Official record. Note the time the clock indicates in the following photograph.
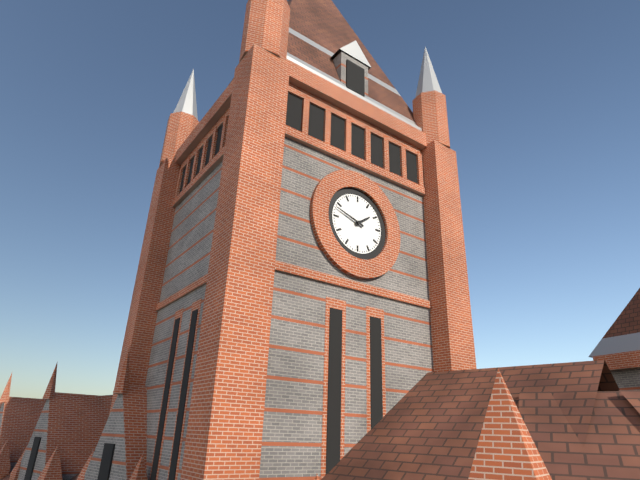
1:48
